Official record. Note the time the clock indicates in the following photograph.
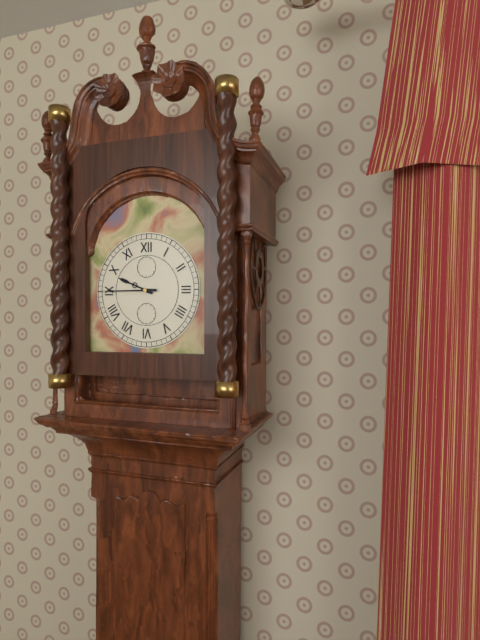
9:45
